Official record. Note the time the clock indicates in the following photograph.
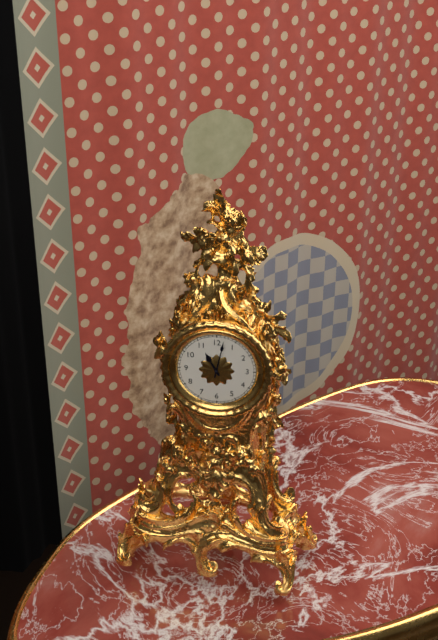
11:02
